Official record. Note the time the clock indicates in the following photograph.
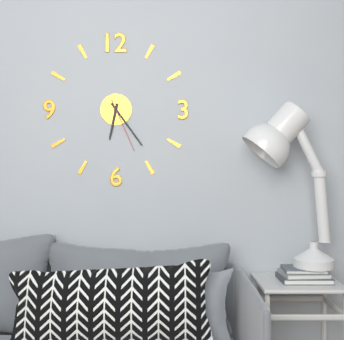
6:24:26
